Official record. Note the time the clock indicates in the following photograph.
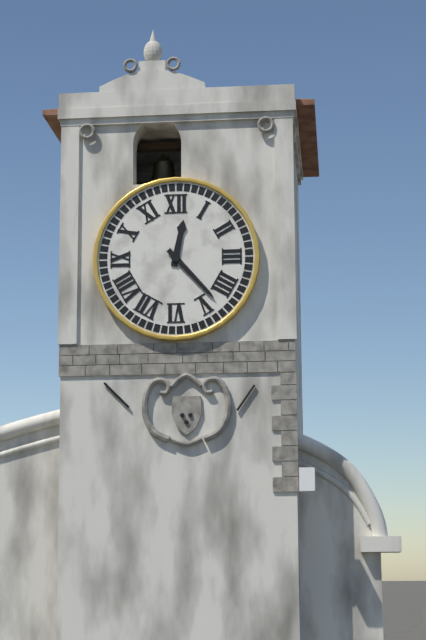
12:23
